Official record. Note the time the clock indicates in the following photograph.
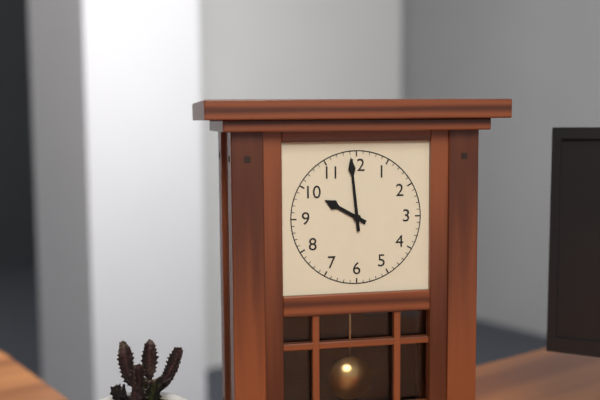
9:59
